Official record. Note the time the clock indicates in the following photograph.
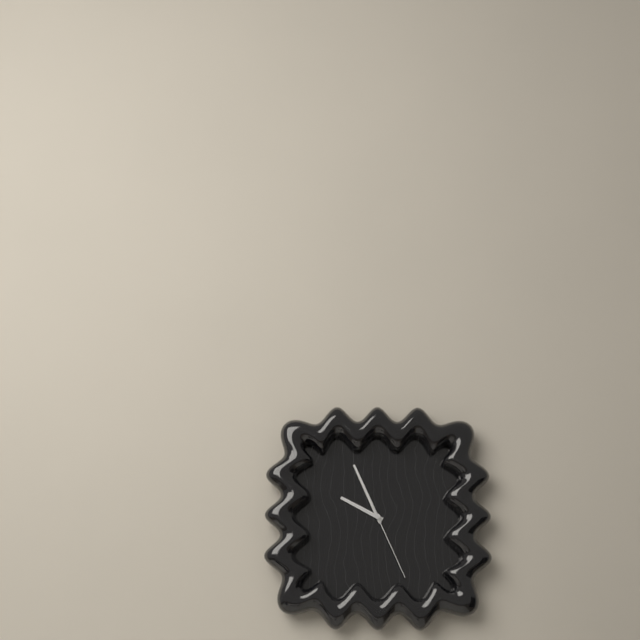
9:56:26
